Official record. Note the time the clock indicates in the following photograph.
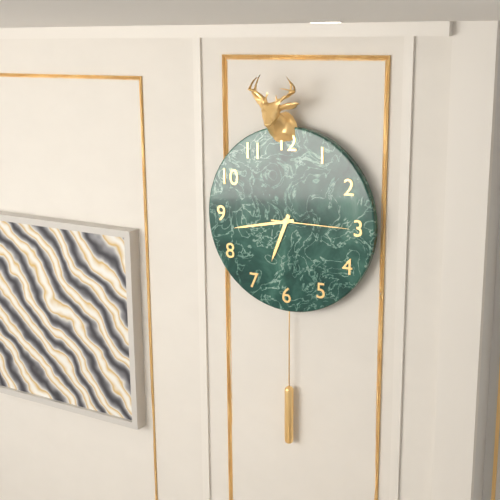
6:43:15
